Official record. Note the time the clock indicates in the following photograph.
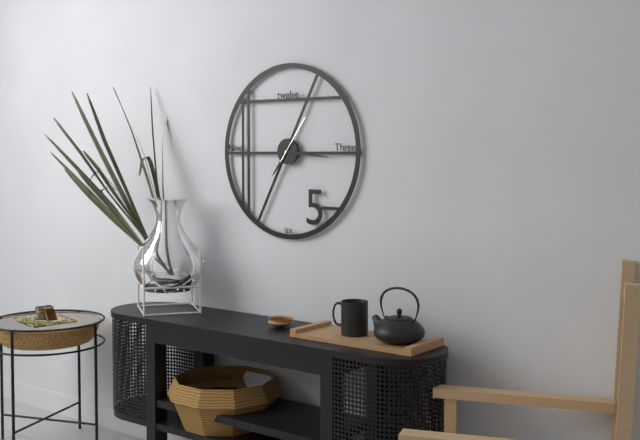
7:16
